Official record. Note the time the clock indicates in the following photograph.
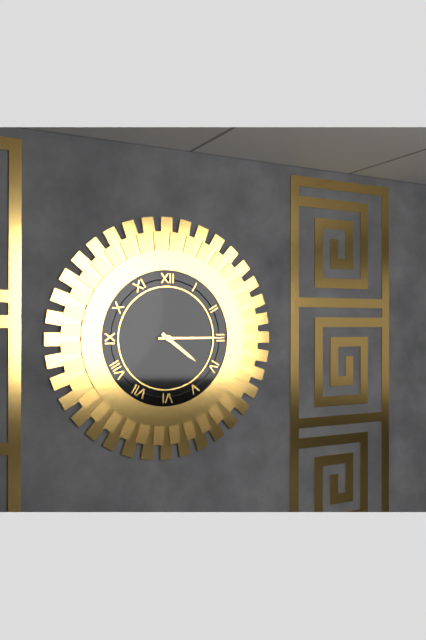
4:15
